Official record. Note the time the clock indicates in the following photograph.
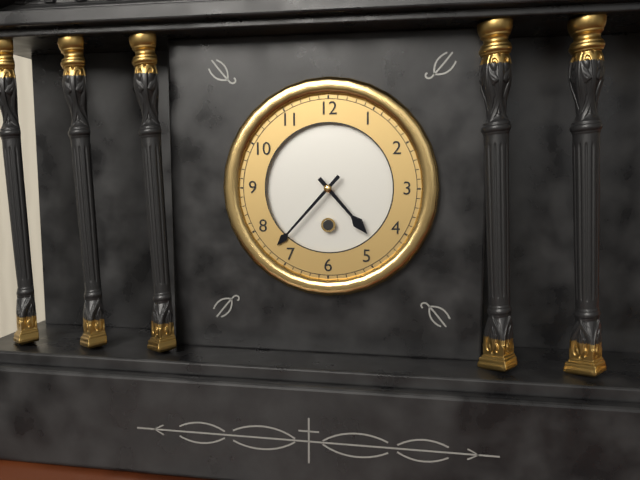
4:37
